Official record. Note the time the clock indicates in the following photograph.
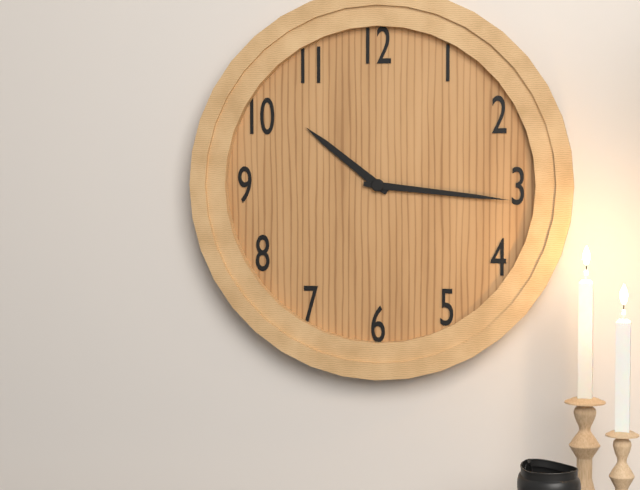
10:16
